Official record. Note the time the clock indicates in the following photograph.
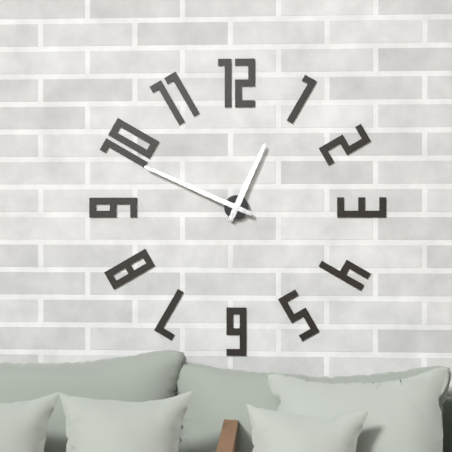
12:49
